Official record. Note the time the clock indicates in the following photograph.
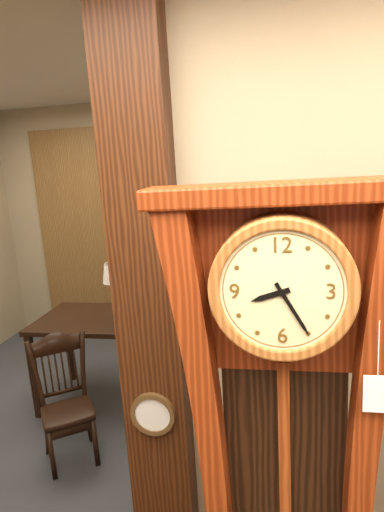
8:25
